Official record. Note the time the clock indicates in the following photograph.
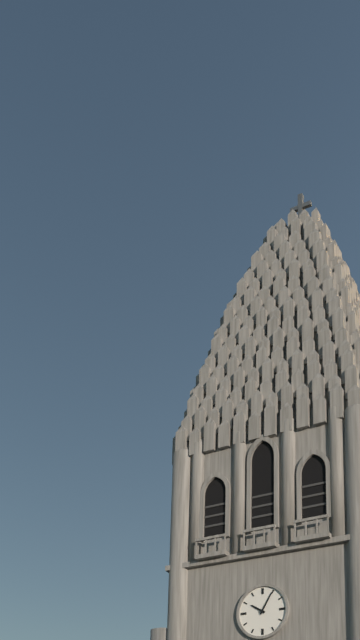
10:05
